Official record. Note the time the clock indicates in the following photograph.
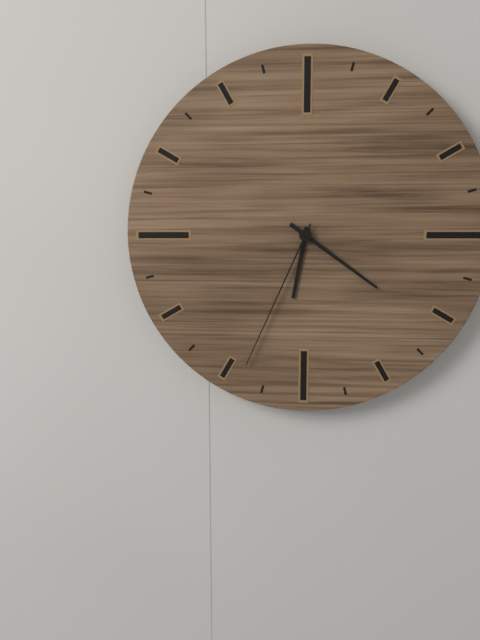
6:21:34
